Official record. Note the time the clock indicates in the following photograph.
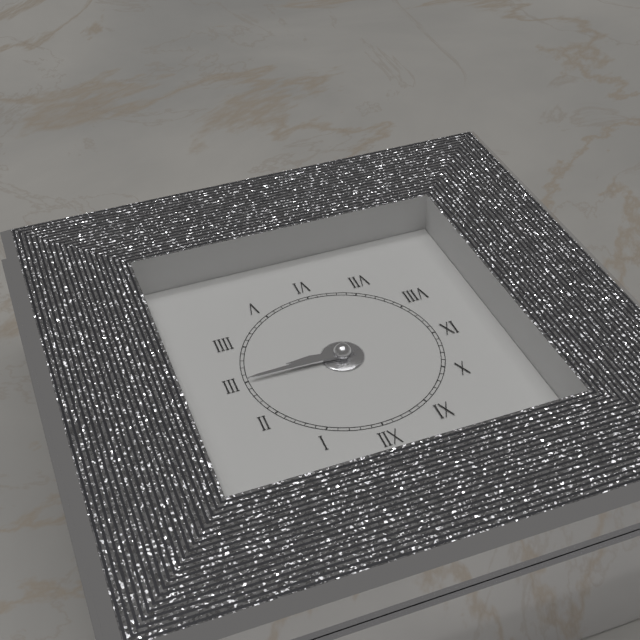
3:15
